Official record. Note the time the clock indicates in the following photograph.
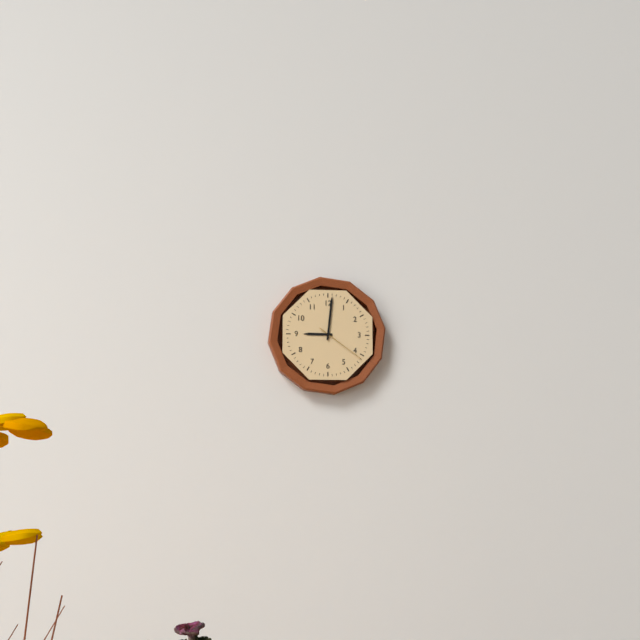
9:01:21
